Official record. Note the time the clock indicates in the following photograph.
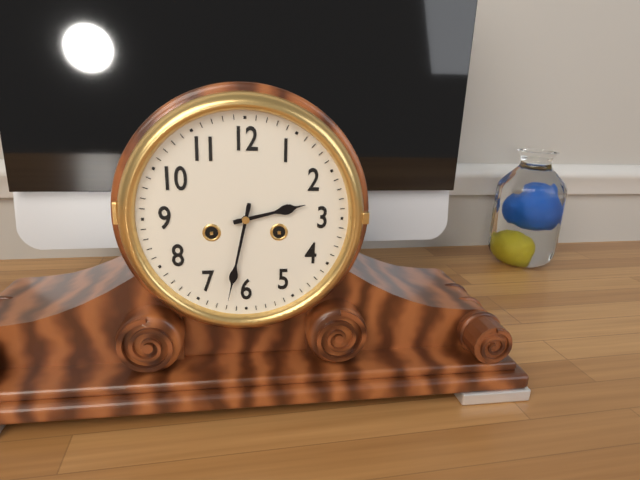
2:32
